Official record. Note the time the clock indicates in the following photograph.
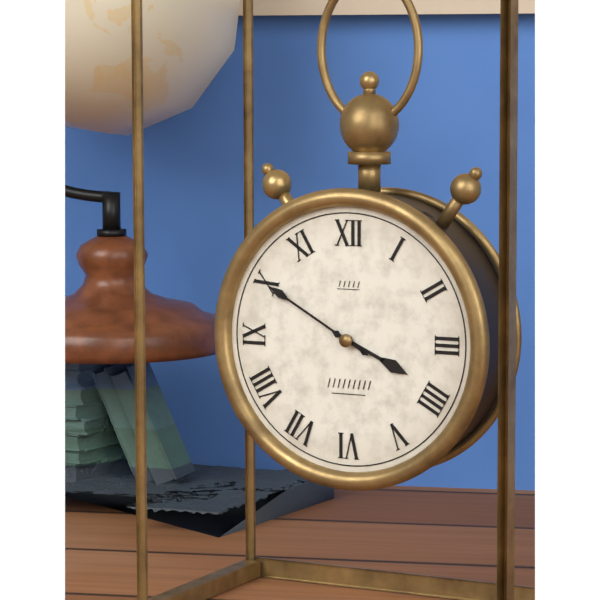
3:50
